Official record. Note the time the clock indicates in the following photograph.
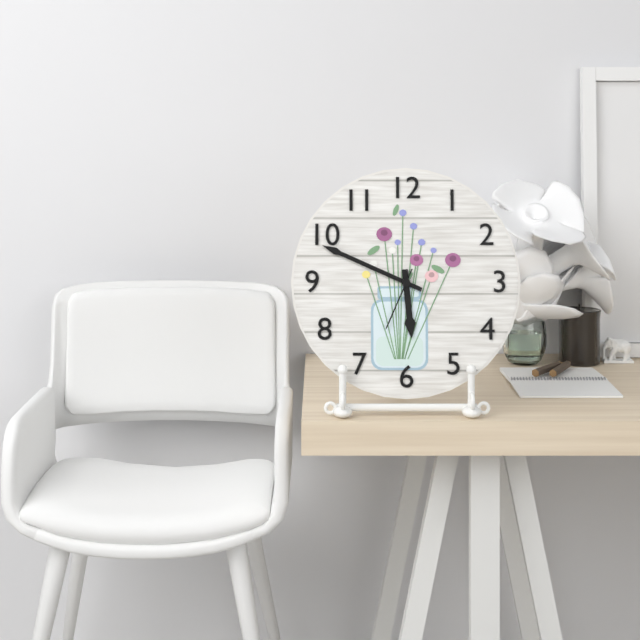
5:49:34
